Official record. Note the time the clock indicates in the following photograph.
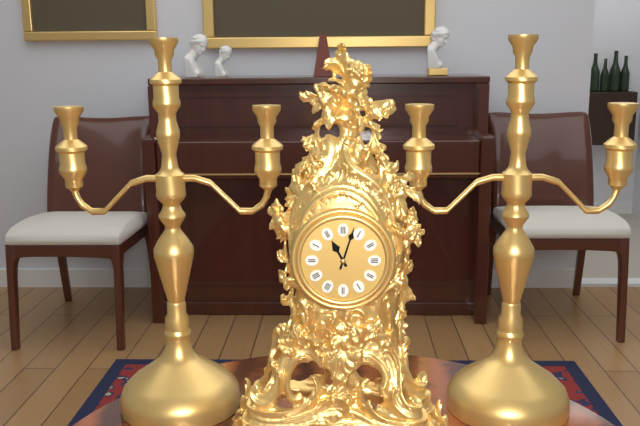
11:03
